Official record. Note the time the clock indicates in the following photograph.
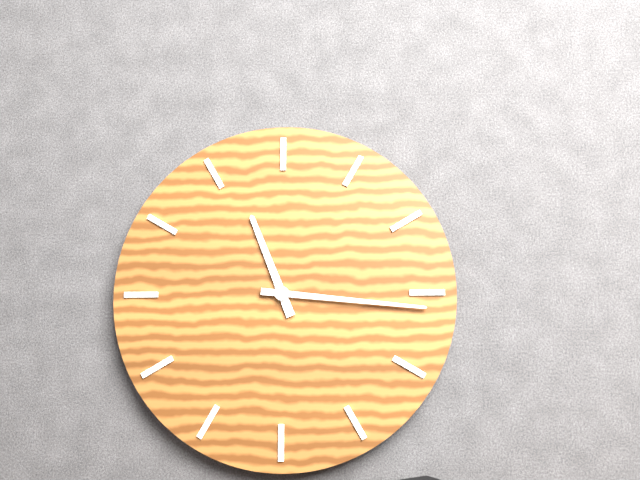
11:16
